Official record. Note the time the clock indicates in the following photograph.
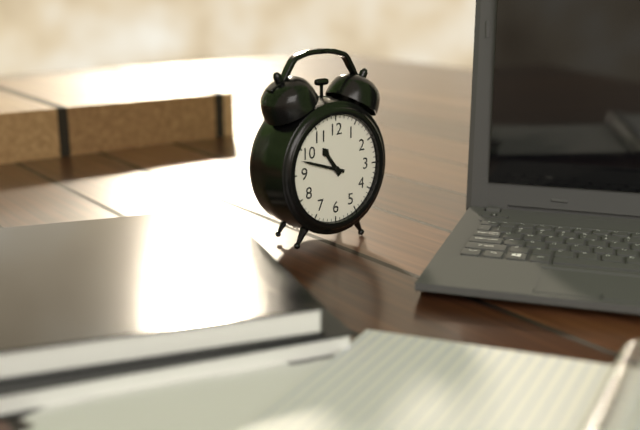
10:48
